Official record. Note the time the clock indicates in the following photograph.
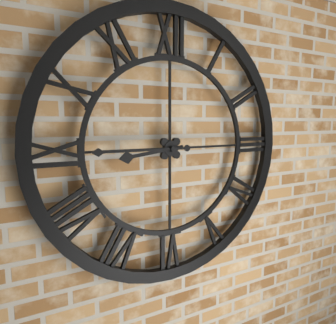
8:45
